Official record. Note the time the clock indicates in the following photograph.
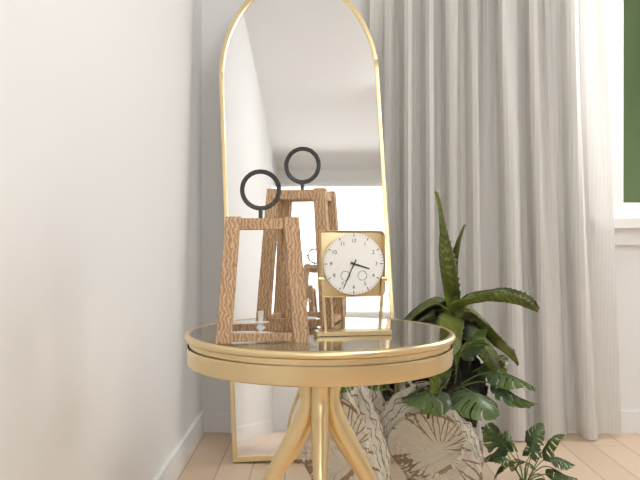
3:34
